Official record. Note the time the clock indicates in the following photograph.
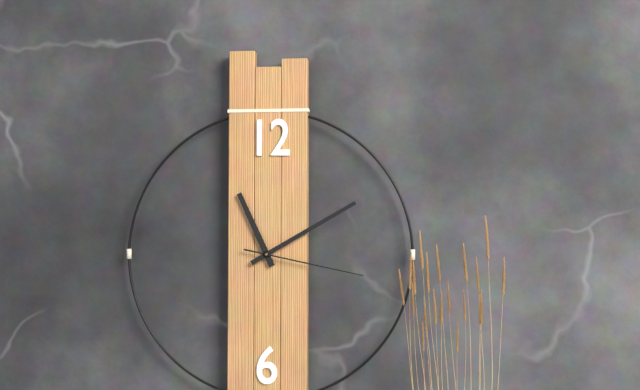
11:10:17
